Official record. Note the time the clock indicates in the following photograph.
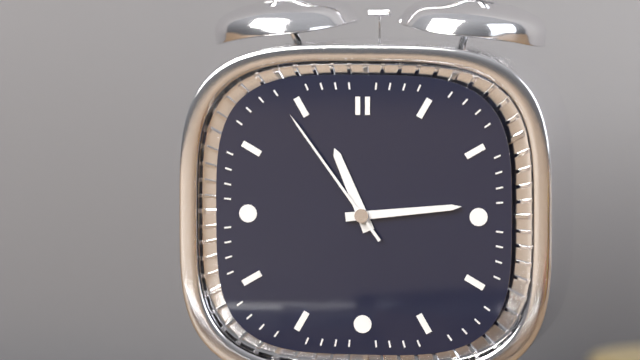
11:14:54
